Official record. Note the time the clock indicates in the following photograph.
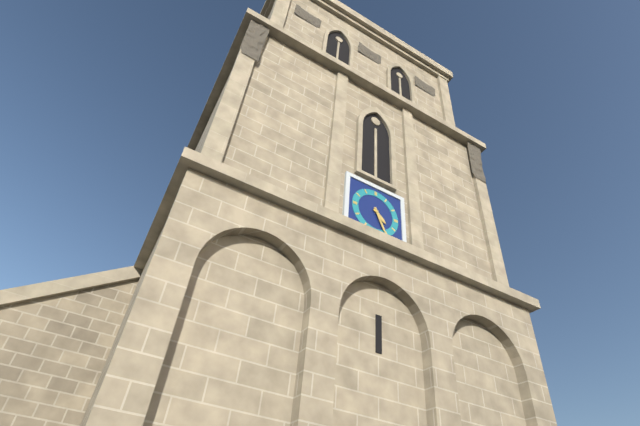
4:26
